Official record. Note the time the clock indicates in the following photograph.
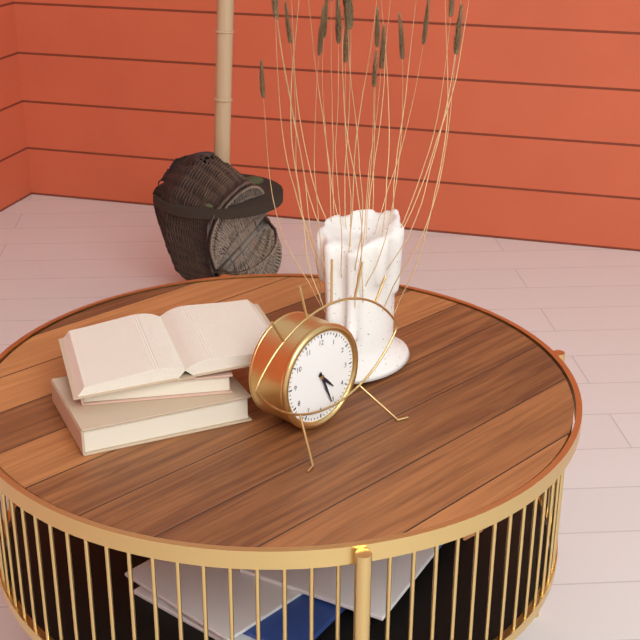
4:26
